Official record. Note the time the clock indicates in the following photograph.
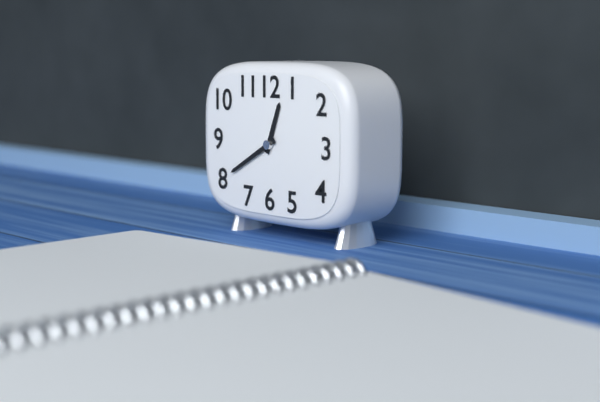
12:40
